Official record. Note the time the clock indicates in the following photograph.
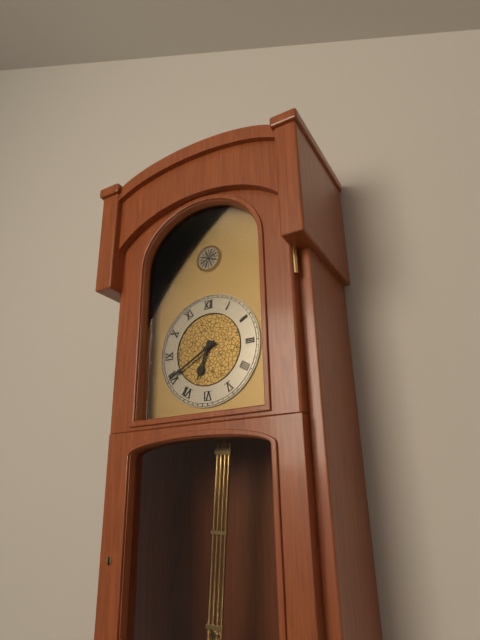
6:40
